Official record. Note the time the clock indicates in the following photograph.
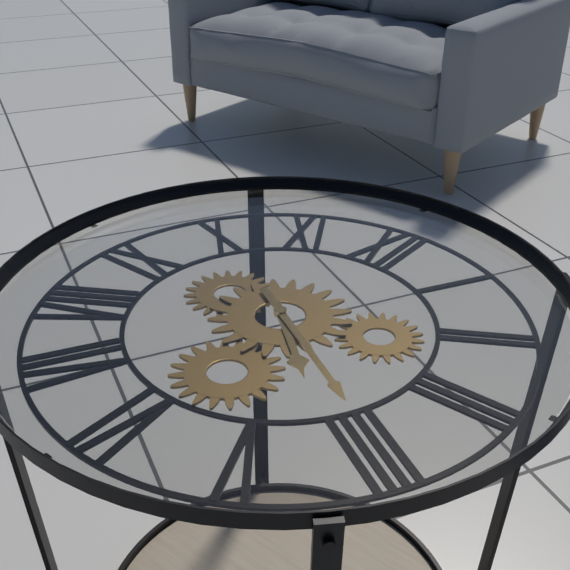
4:20
